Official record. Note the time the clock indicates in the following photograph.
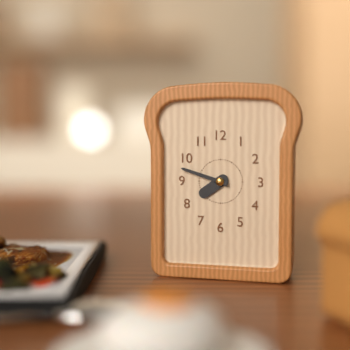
7:48
